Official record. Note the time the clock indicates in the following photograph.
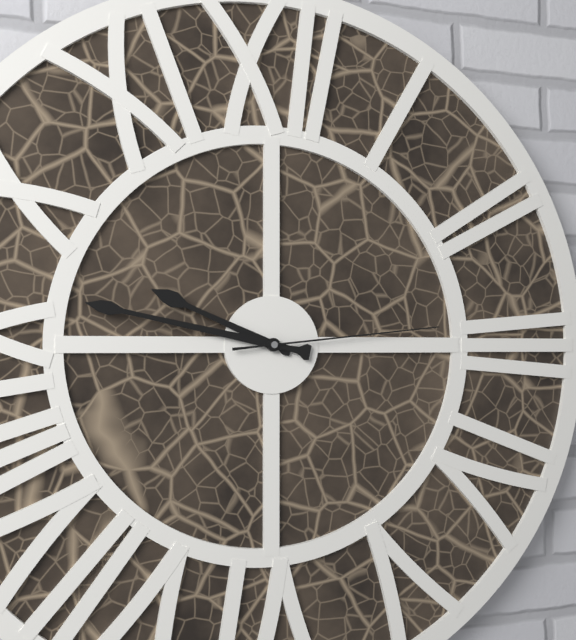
9:47:14
